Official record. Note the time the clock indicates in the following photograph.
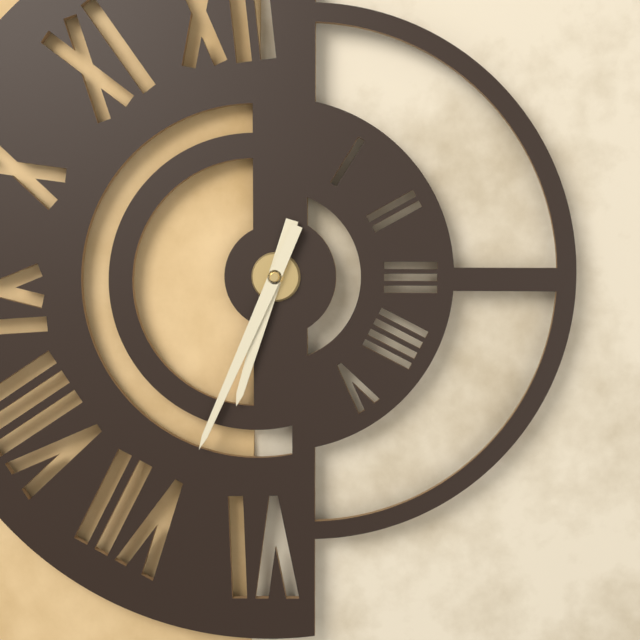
6:34
